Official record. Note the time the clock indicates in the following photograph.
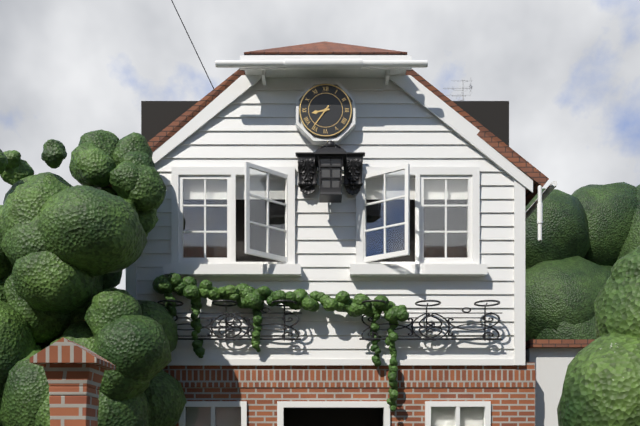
8:36
